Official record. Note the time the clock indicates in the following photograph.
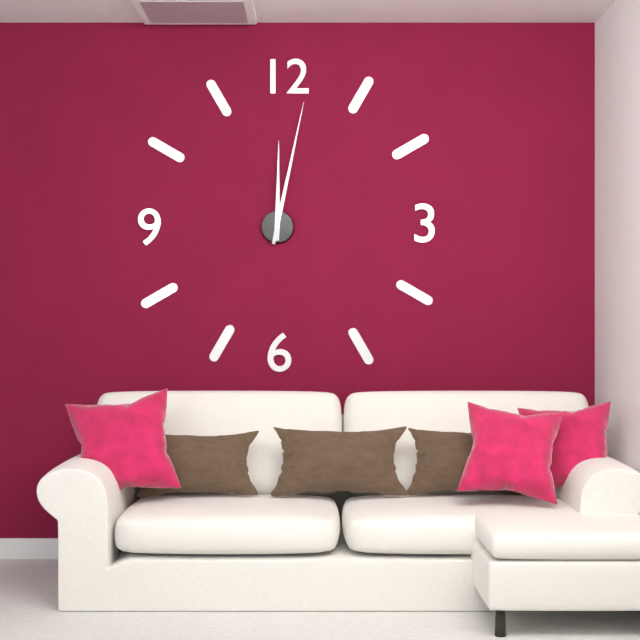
12:02
